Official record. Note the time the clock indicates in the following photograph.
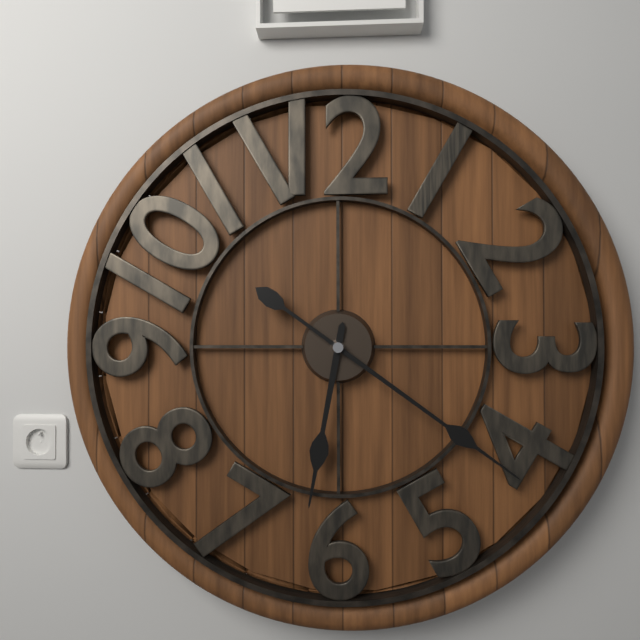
6:21
